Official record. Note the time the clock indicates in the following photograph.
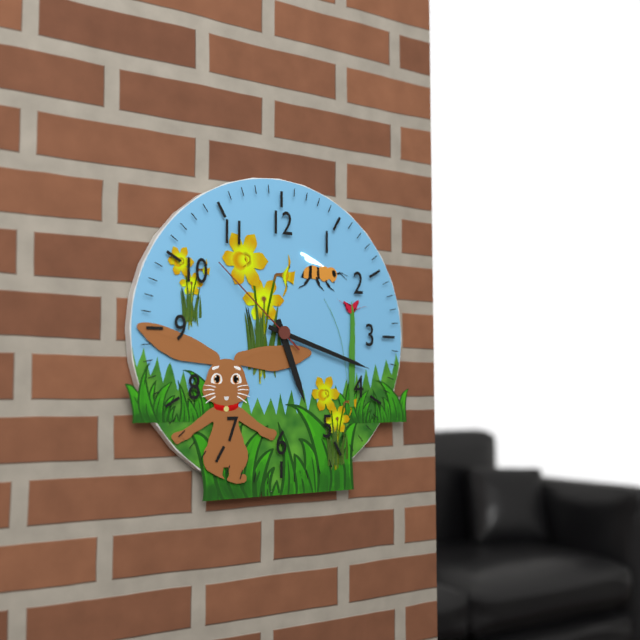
5:18:52
